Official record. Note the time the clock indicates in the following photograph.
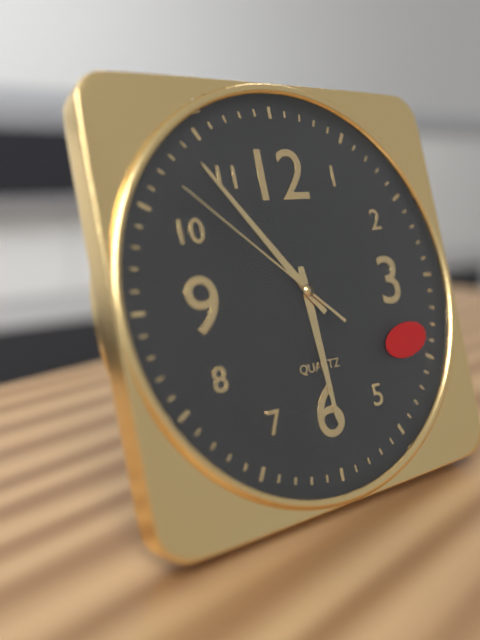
5:54:52
